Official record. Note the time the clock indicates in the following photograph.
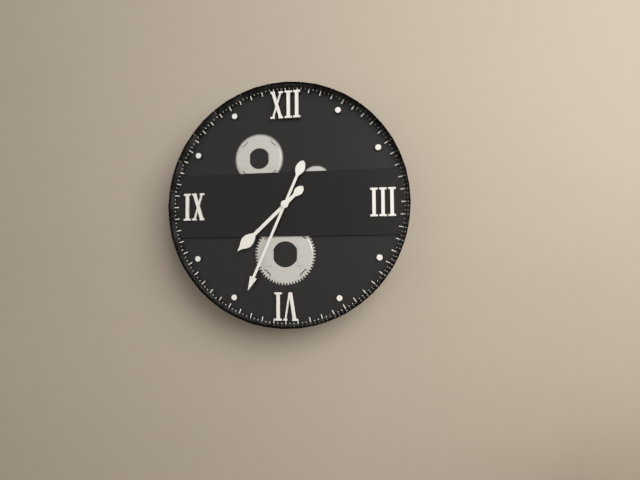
7:34
